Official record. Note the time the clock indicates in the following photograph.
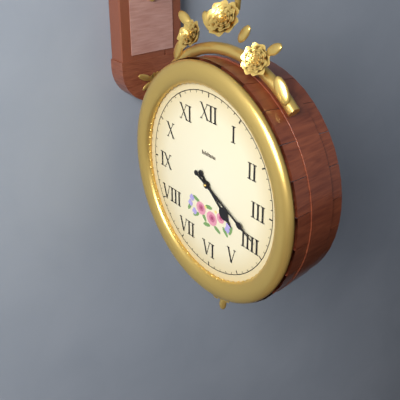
4:19
